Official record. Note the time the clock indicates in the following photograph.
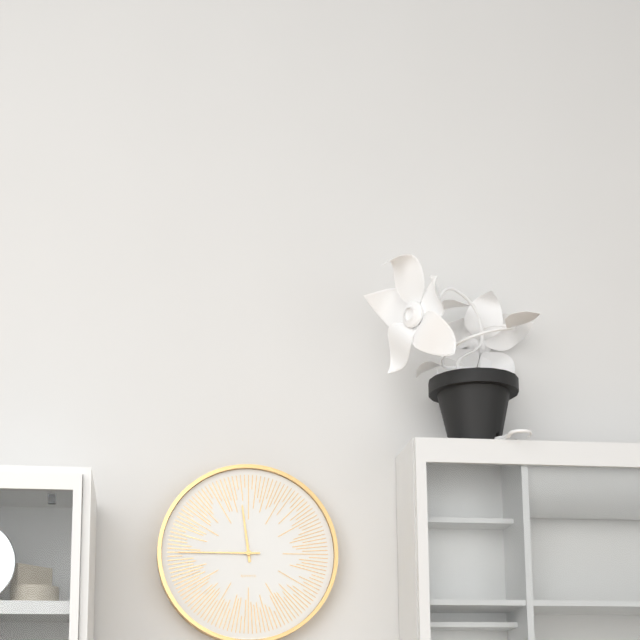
11:45
